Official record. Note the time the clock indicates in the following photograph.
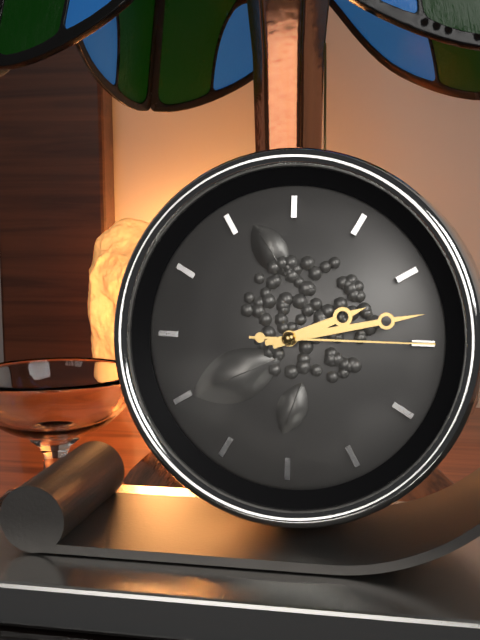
2:13:15
